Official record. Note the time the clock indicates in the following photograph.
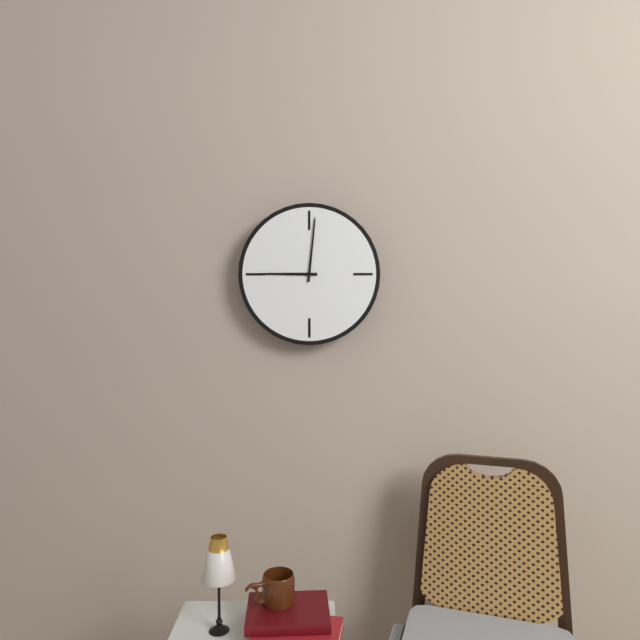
9:01
